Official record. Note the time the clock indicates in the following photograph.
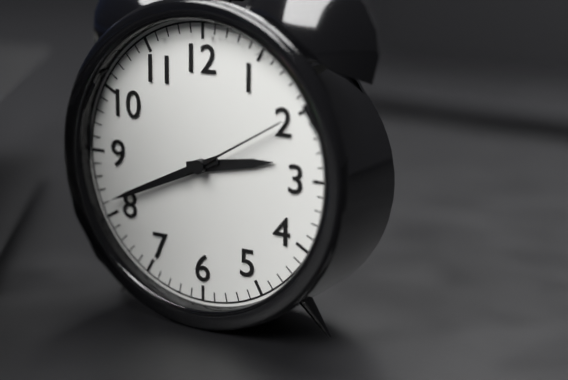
2:41:10
